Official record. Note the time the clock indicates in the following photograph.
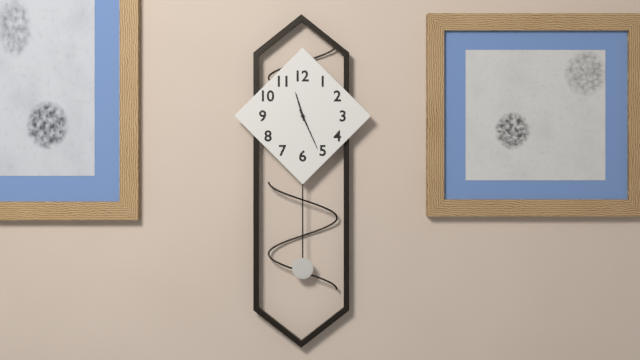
11:26
